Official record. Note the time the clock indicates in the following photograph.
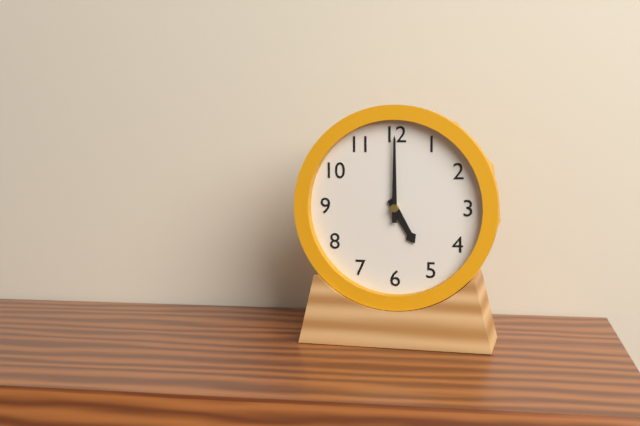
5:00
